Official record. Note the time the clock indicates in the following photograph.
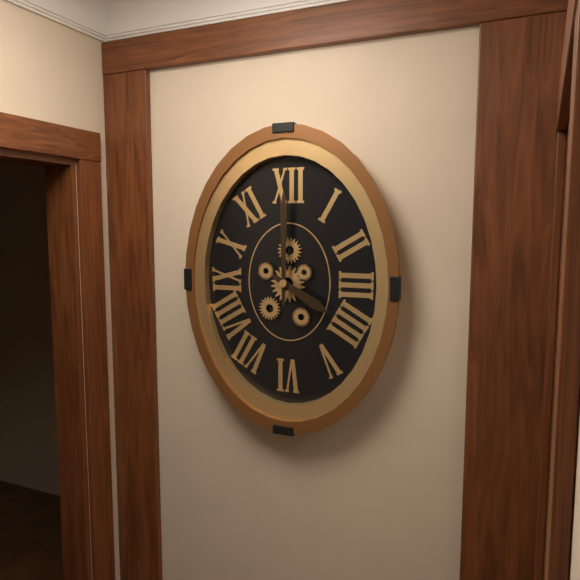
4:00
